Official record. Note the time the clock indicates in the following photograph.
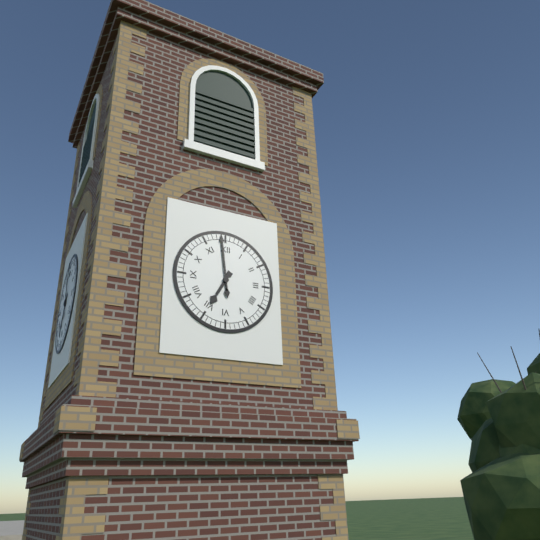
6:59
